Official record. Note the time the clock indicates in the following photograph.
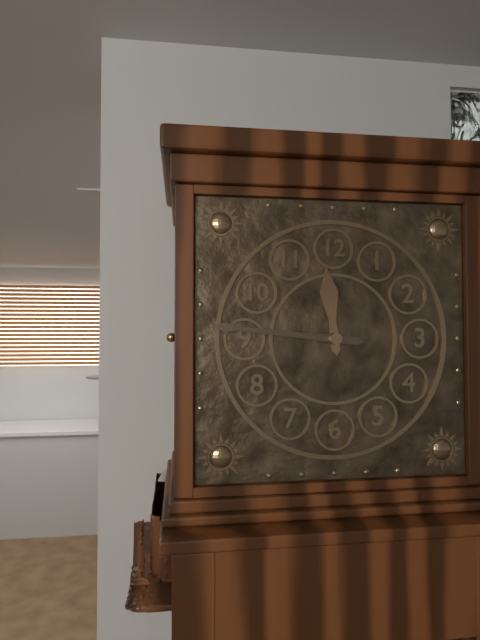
11:46
